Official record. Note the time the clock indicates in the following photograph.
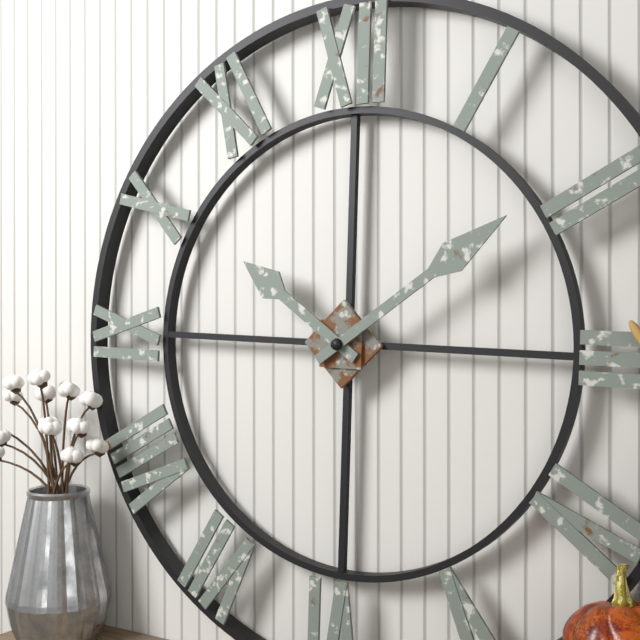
10:09
